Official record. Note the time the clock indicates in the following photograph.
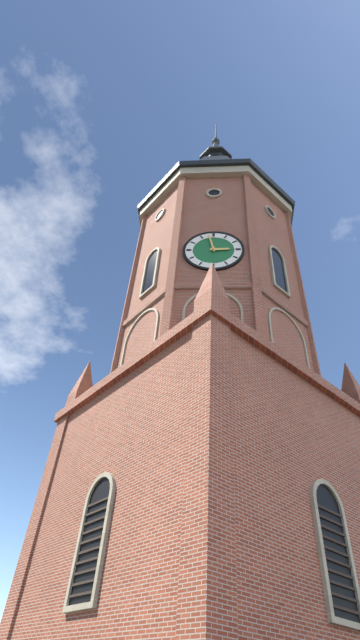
2:58
